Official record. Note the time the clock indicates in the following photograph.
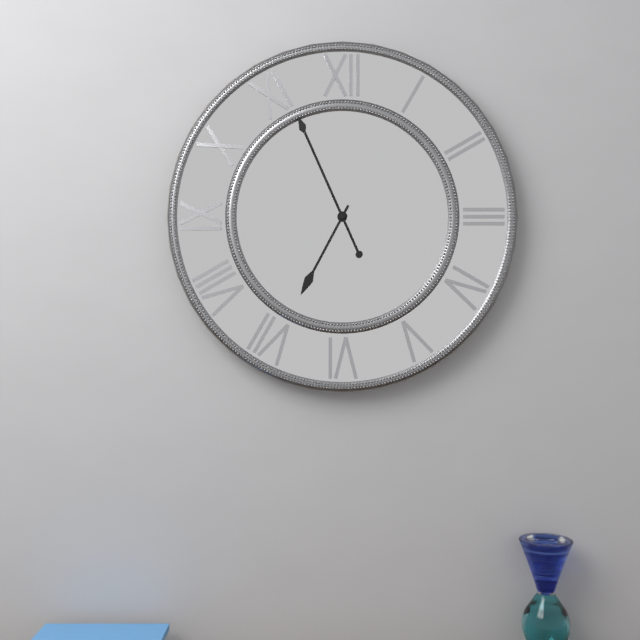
6:56
